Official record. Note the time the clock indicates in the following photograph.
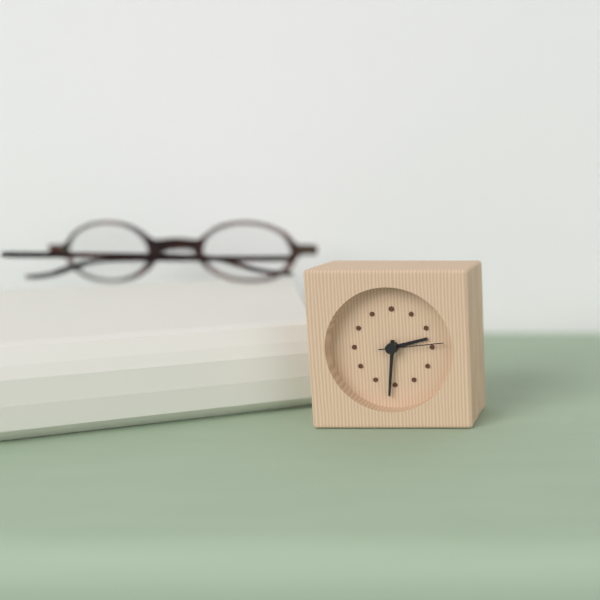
2:31:14
